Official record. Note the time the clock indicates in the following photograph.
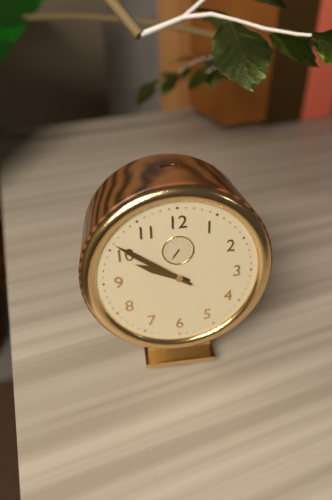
9:51
